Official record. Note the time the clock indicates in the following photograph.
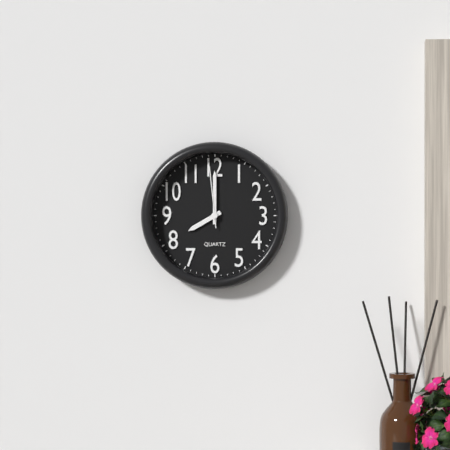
8:00:59
